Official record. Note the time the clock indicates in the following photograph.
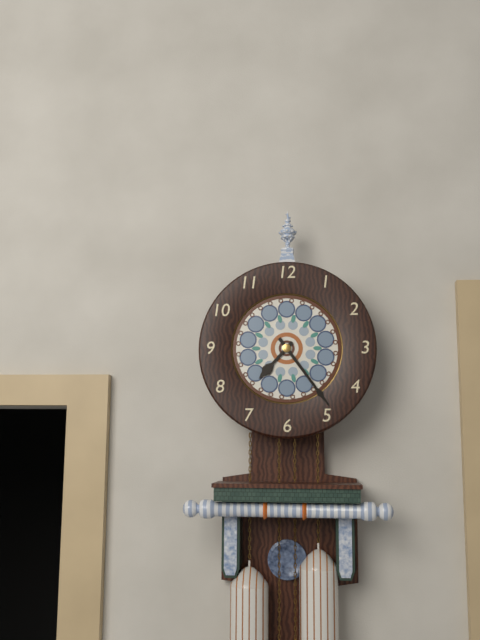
7:24
